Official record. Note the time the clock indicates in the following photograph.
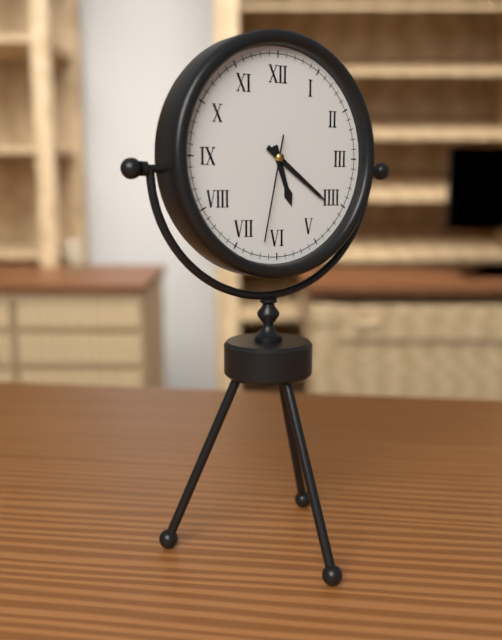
5:21:32
